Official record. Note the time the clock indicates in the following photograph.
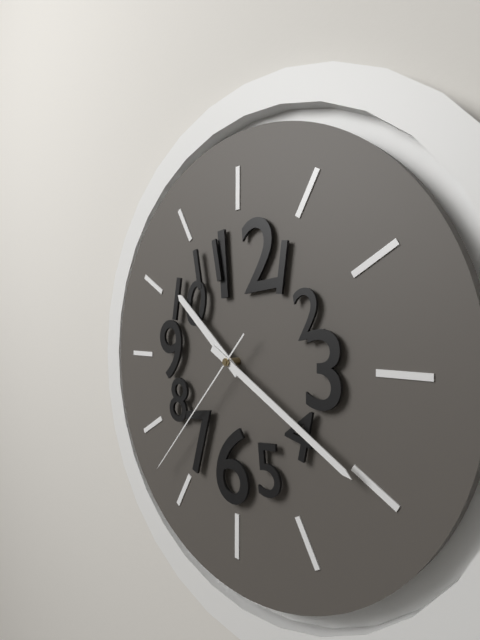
10:20:37
